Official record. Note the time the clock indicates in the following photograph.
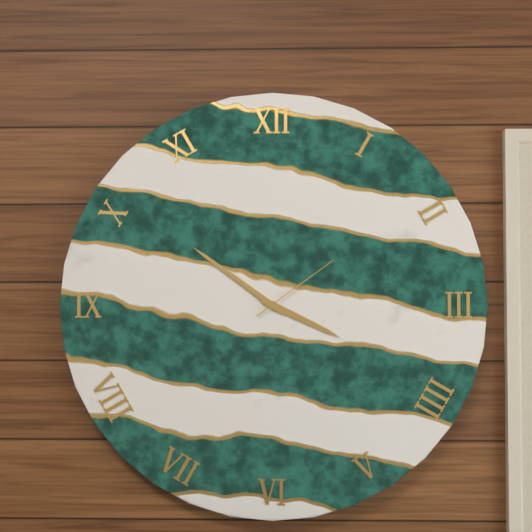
3:51:09
